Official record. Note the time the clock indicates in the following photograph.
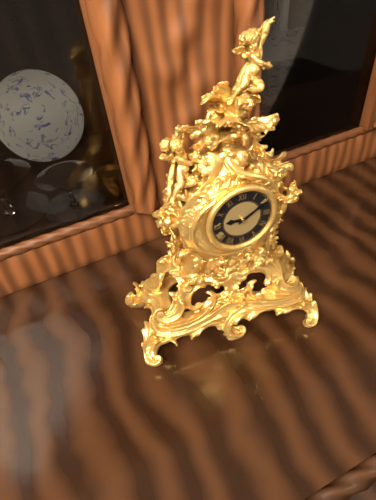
9:10
